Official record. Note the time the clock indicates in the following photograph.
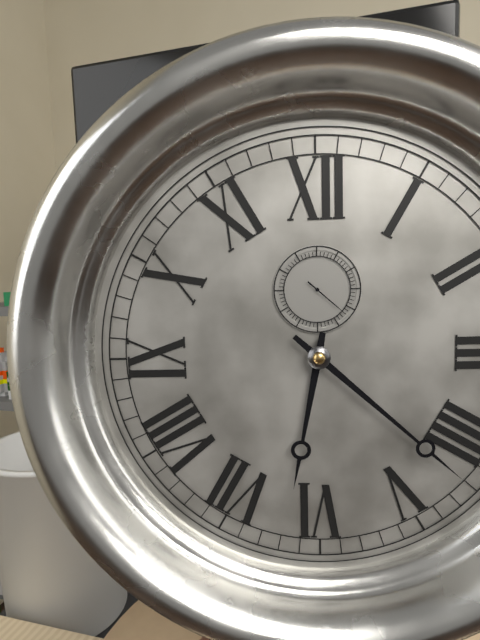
6:22
